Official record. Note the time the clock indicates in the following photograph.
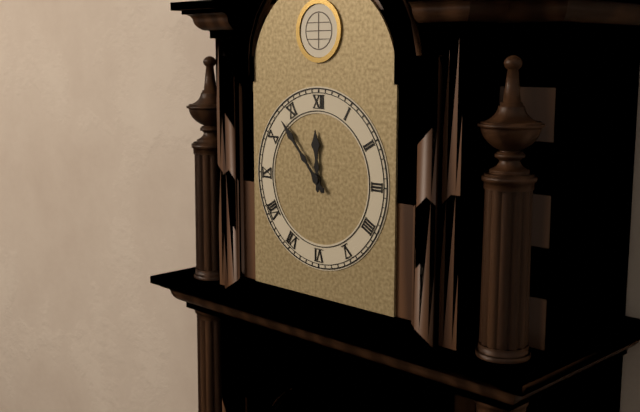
11:53
